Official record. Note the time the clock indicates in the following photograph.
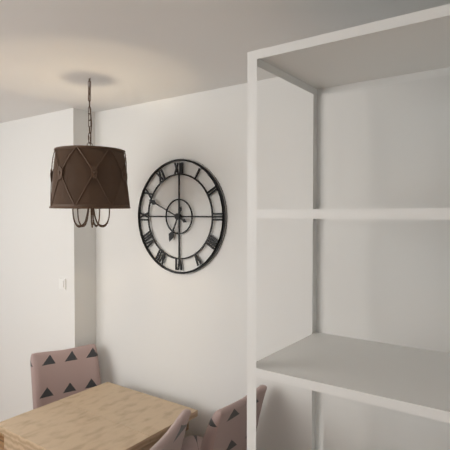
6:49
